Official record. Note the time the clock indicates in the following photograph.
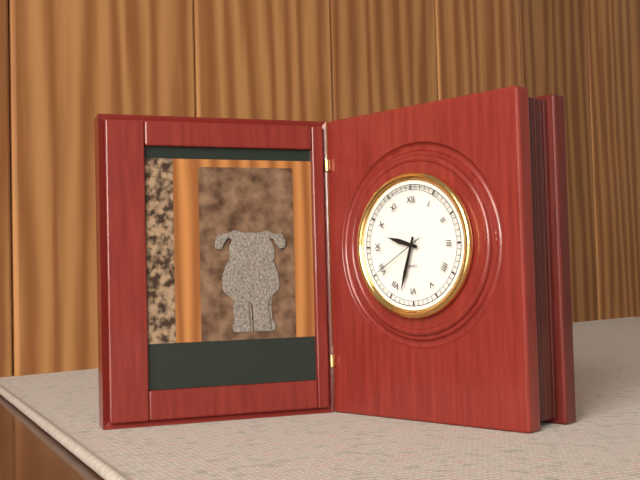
9:33:40
